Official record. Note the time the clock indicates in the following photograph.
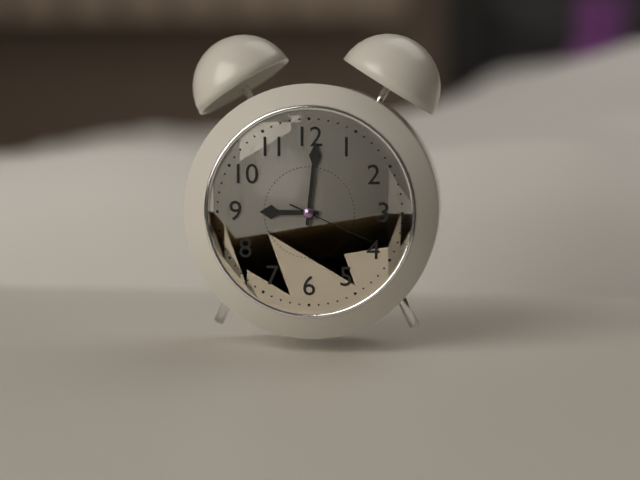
9:01:19
